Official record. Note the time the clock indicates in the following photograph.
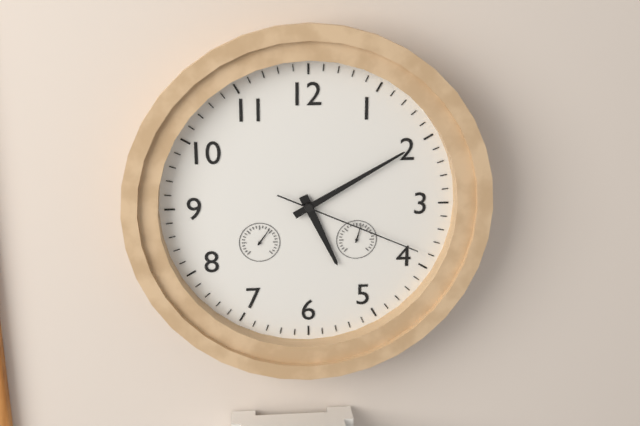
5:10:19
